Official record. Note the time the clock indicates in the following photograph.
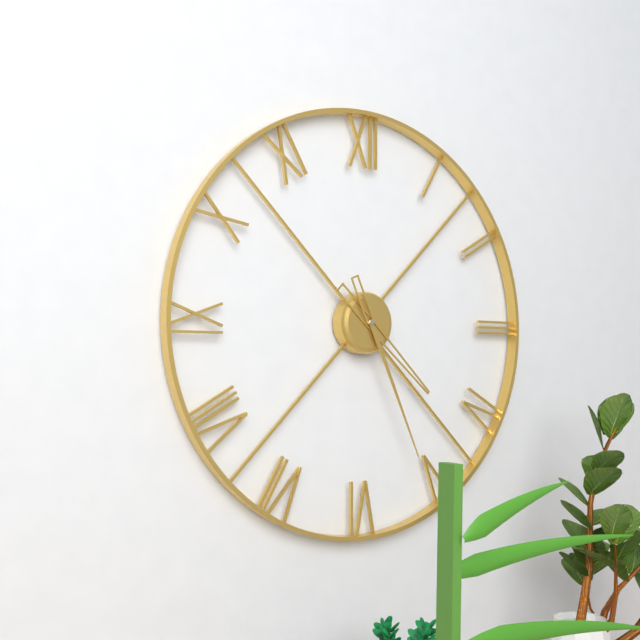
4:26
